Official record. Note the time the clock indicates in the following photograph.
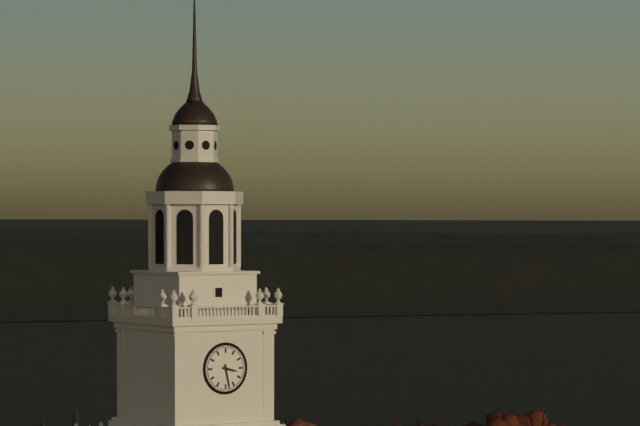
3:28
